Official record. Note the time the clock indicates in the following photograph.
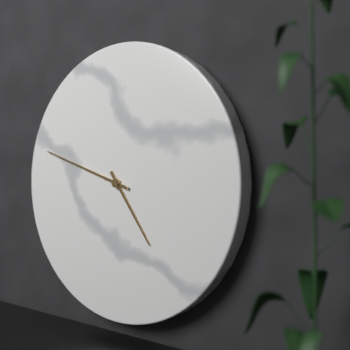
4:48
